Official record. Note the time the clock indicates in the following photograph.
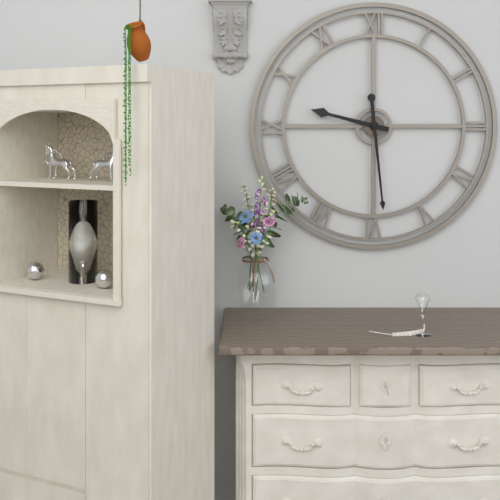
9:29
